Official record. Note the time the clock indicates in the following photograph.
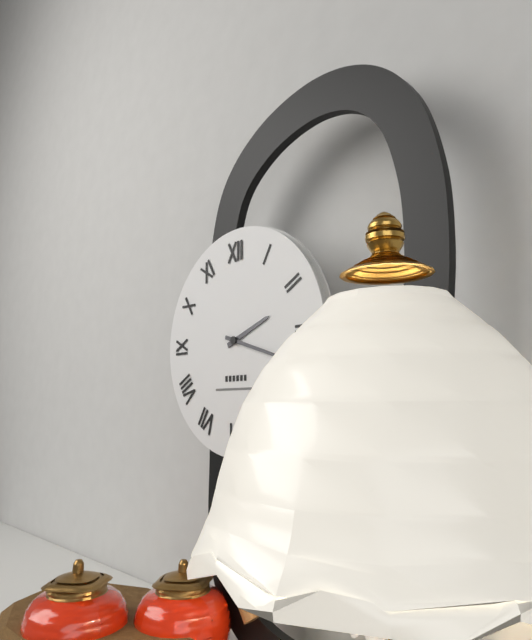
2:18
